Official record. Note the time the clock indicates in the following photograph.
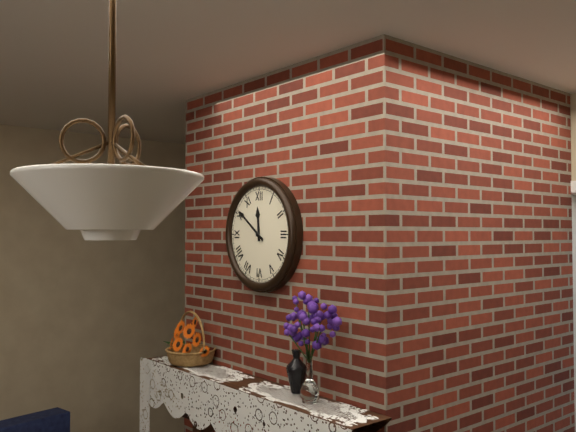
11:51
